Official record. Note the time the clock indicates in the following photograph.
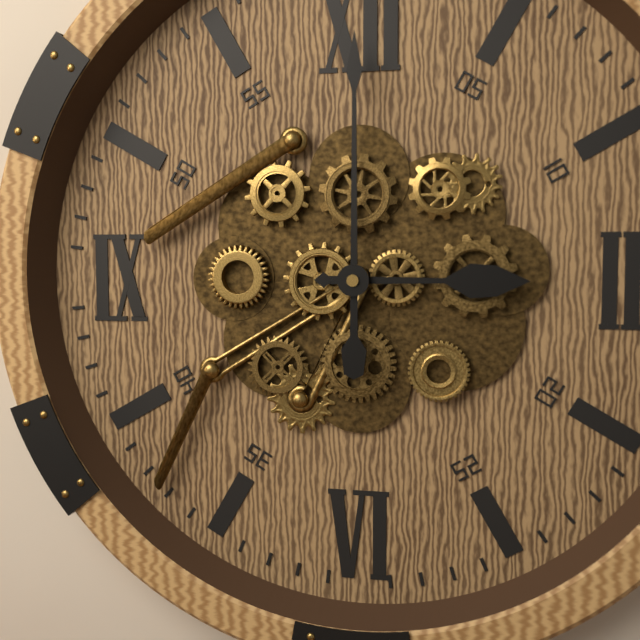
3:00
